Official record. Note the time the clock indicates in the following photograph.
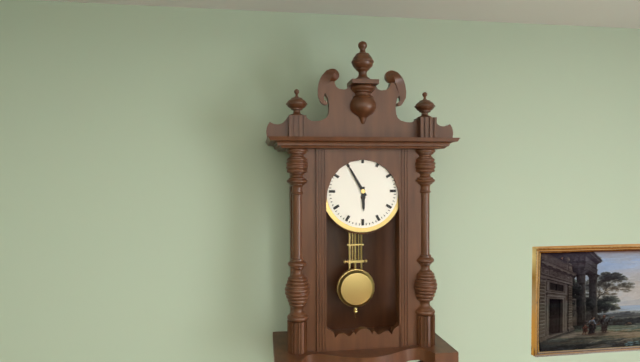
5:55
